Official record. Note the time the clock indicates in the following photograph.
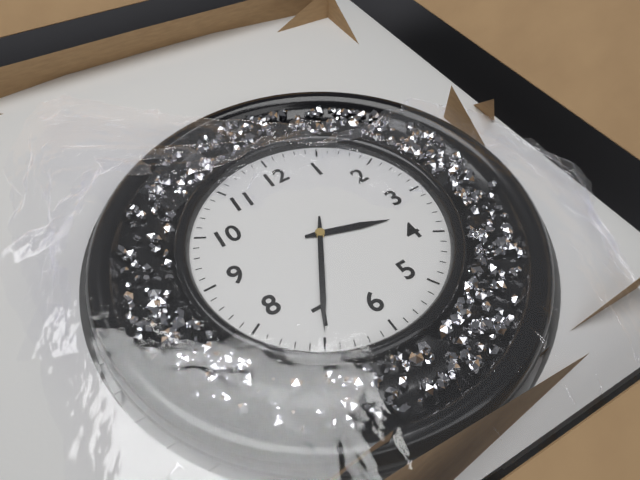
3:35
